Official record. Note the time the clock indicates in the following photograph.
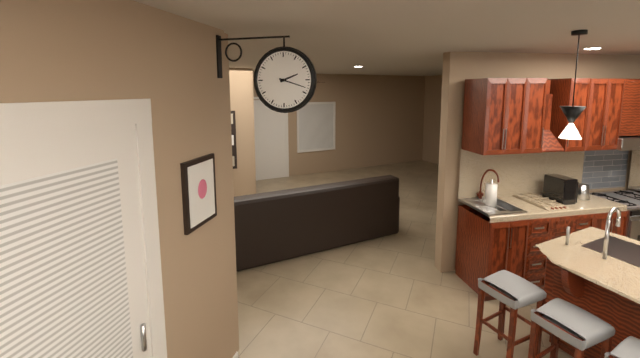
2:18
